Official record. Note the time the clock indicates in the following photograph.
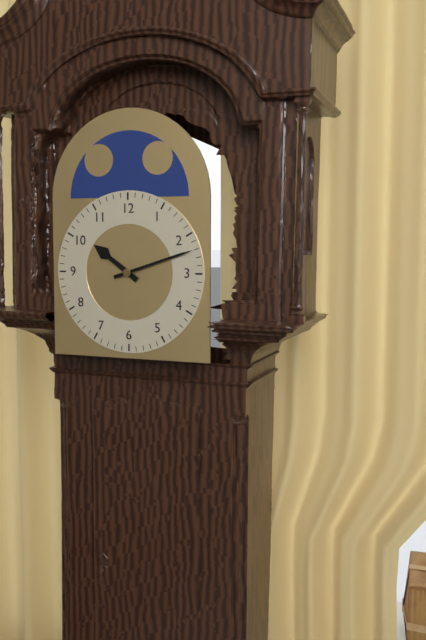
10:12
